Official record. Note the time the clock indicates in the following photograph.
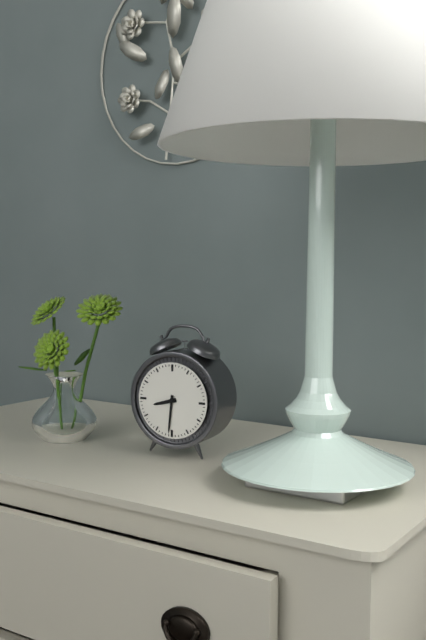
8:31
